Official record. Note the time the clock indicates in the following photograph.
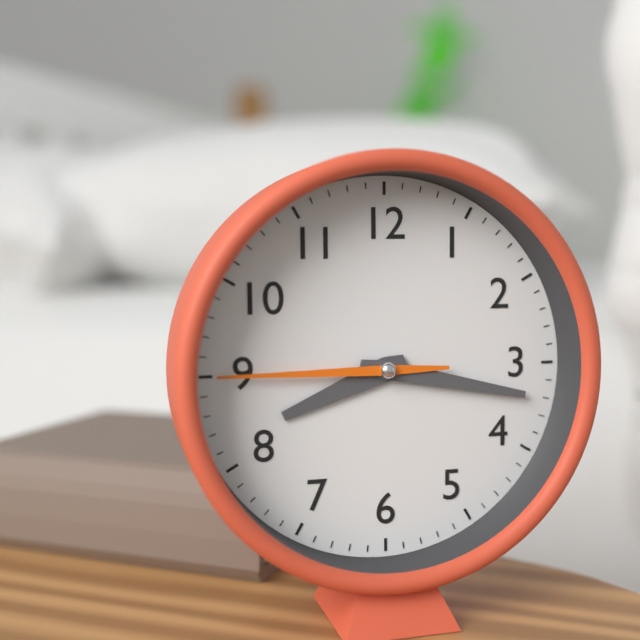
8:17:45
